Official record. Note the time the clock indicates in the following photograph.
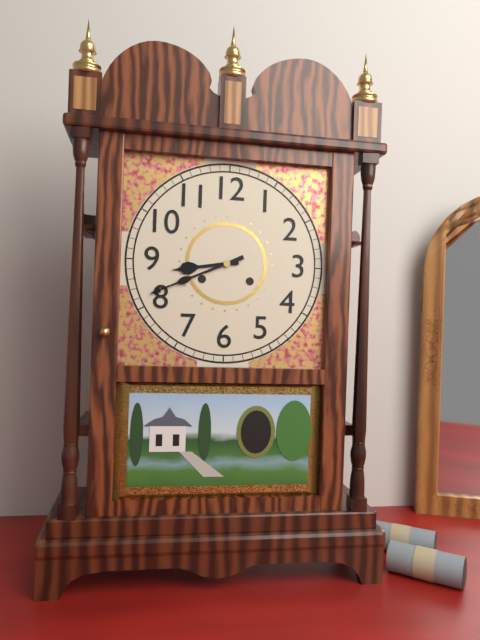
8:41
